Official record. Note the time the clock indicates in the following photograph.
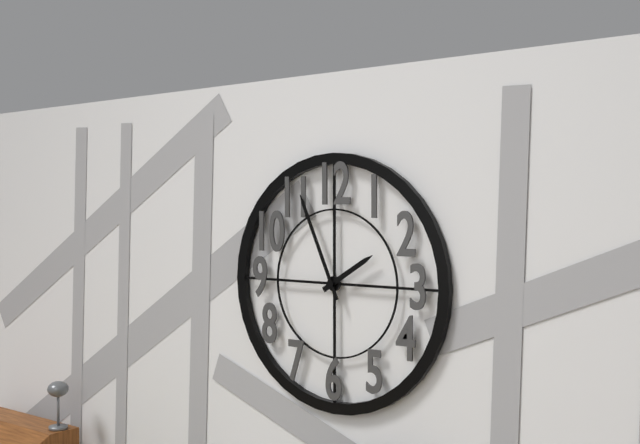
1:56
